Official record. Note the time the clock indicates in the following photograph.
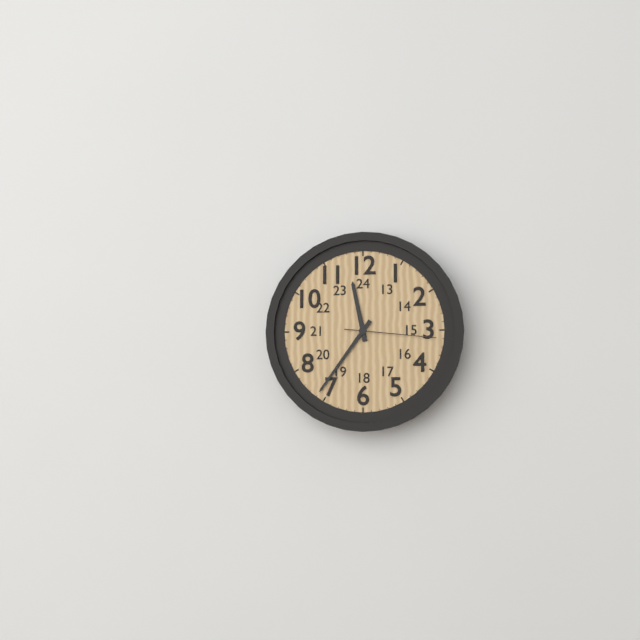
11:36:16
